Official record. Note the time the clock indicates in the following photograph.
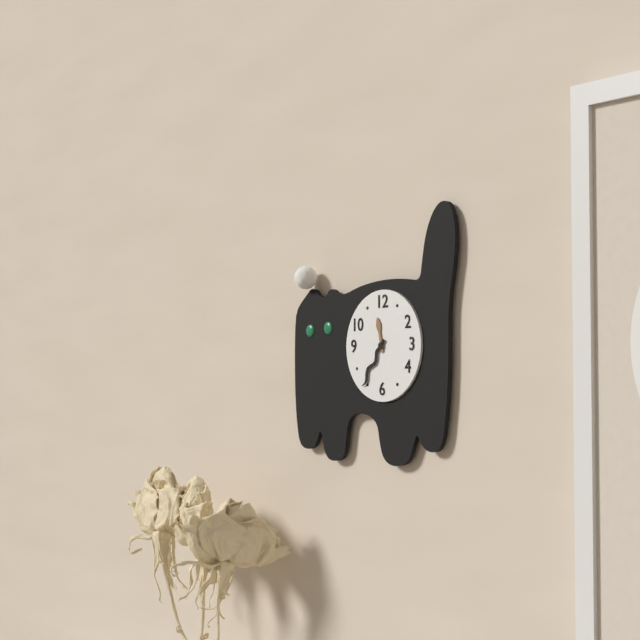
11:36
